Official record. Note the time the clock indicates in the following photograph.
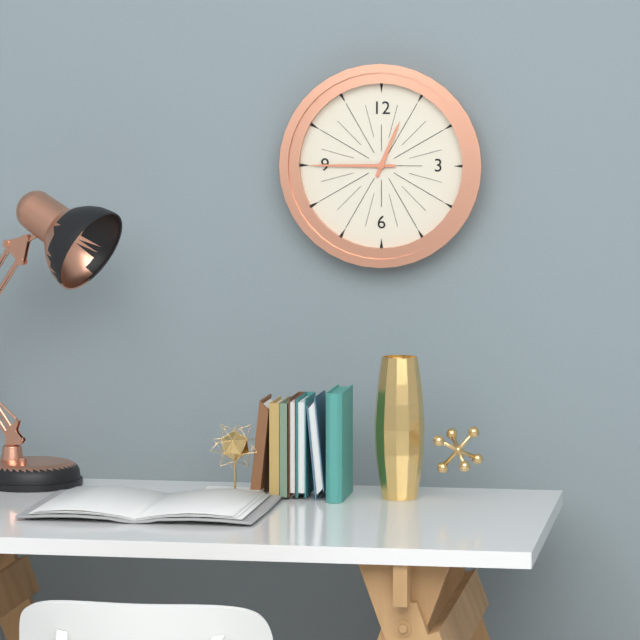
12:45
